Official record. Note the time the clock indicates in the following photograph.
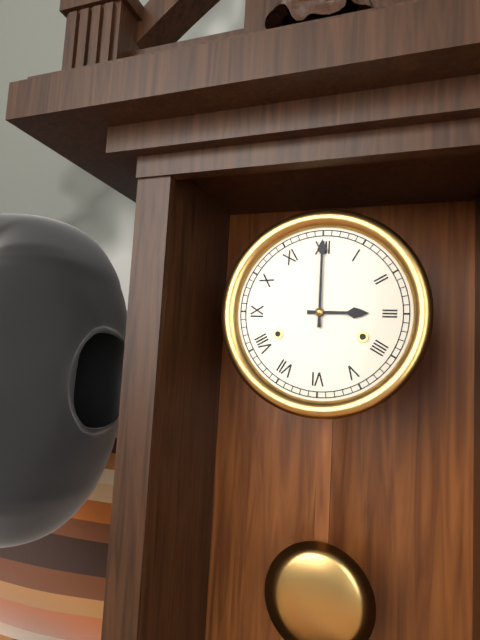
3:00
